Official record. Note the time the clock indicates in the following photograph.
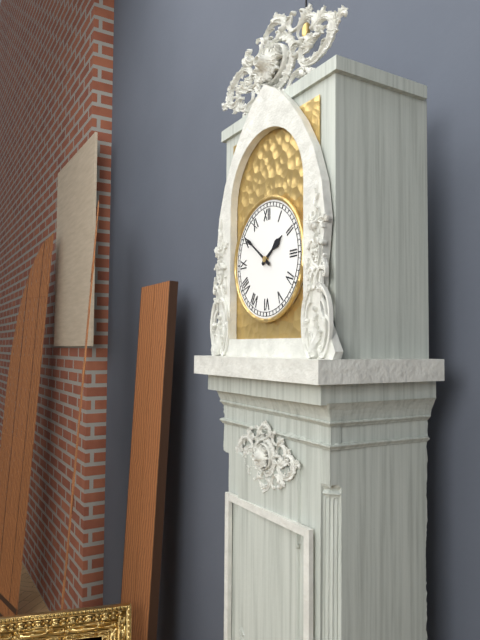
1:51
